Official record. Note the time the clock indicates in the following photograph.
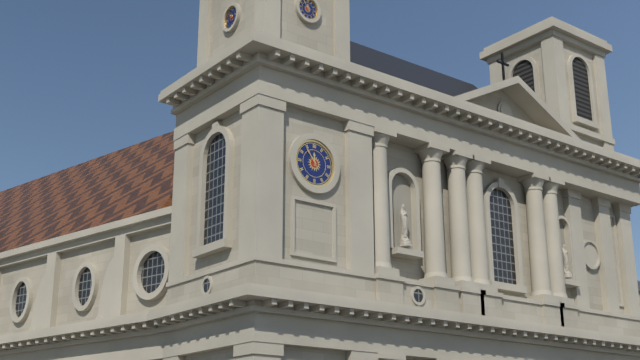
11:54
